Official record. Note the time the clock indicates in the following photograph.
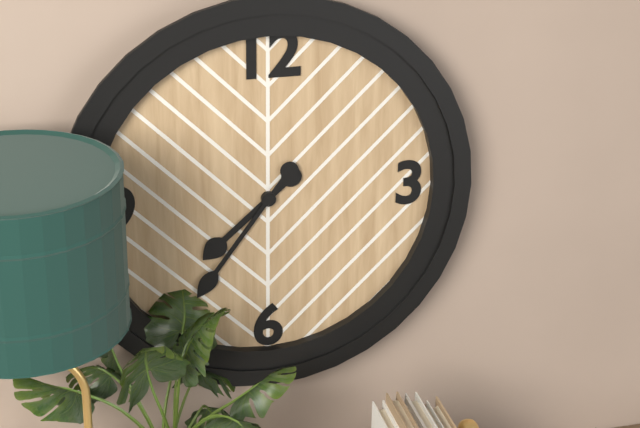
7:36
